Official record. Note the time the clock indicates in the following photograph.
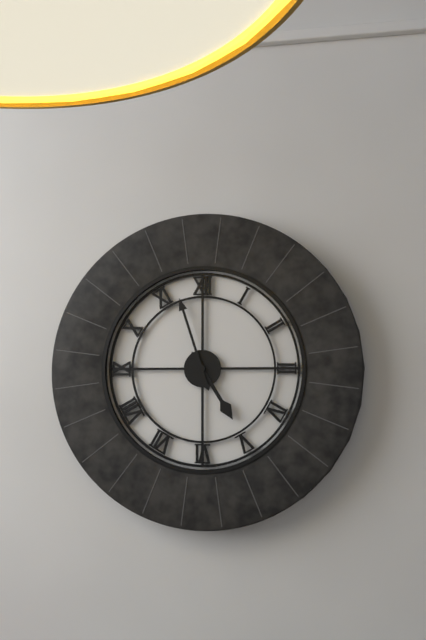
4:57
